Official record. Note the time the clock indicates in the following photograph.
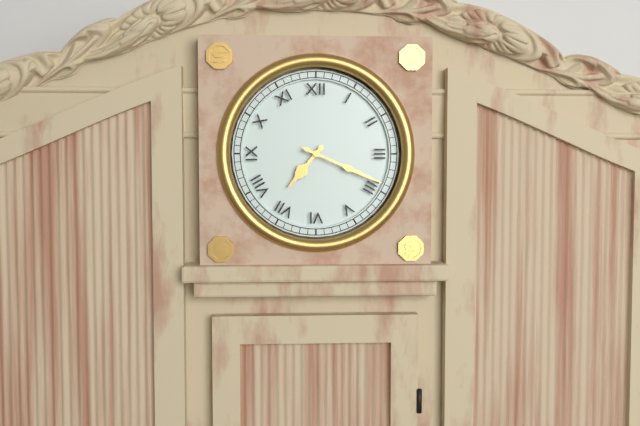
7:19
